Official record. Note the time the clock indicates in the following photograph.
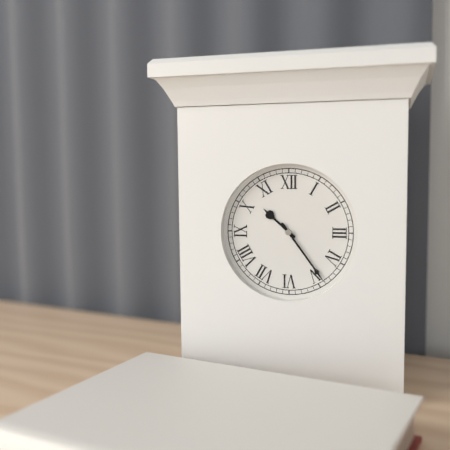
10:24
